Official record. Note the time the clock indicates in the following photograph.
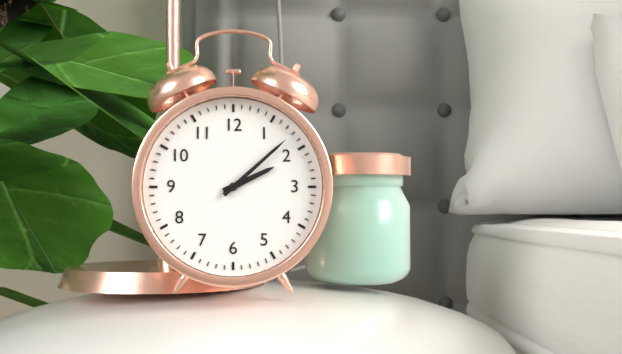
2:08
